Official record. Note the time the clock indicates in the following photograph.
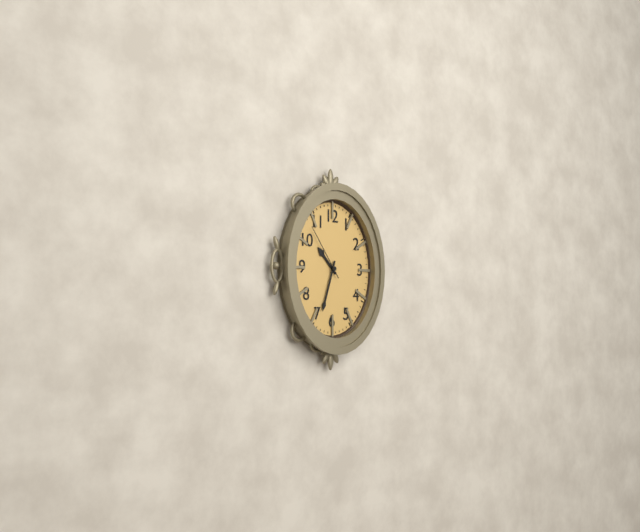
10:33:54
